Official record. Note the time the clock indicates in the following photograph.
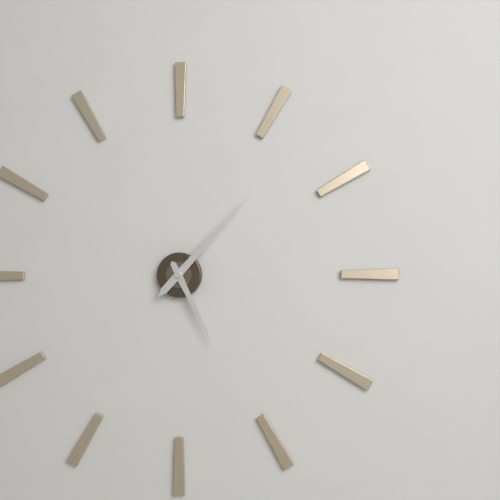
5:07
